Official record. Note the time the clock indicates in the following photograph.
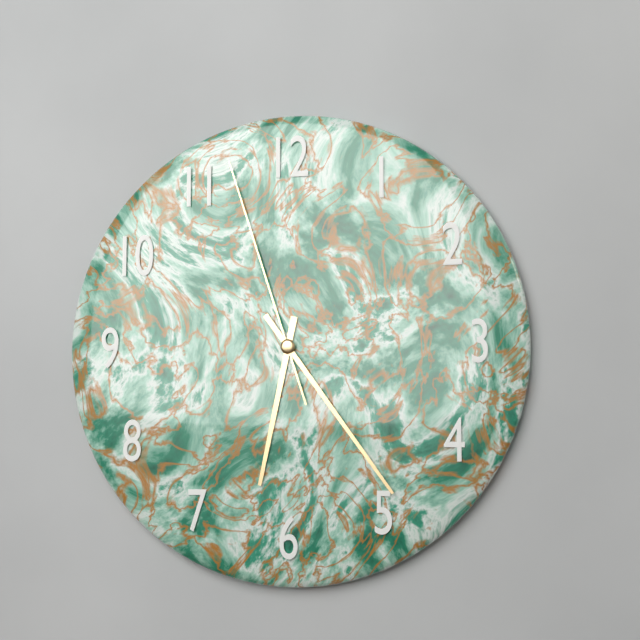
6:24:57
